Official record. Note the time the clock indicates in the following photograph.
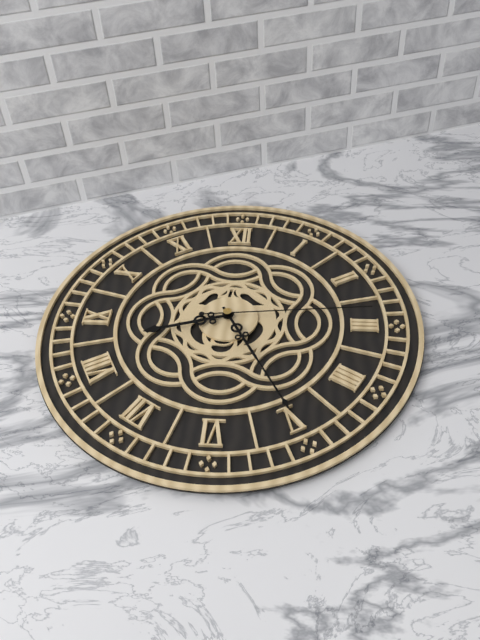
8:25:14
